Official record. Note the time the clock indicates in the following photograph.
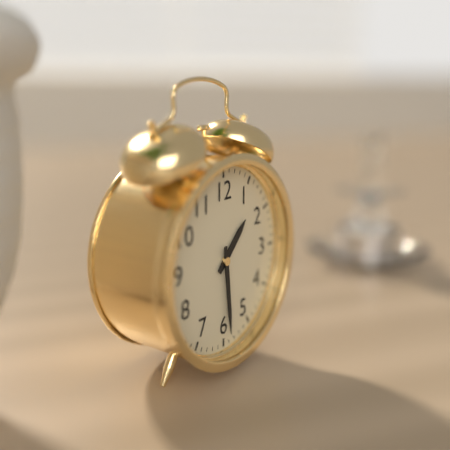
1:29
